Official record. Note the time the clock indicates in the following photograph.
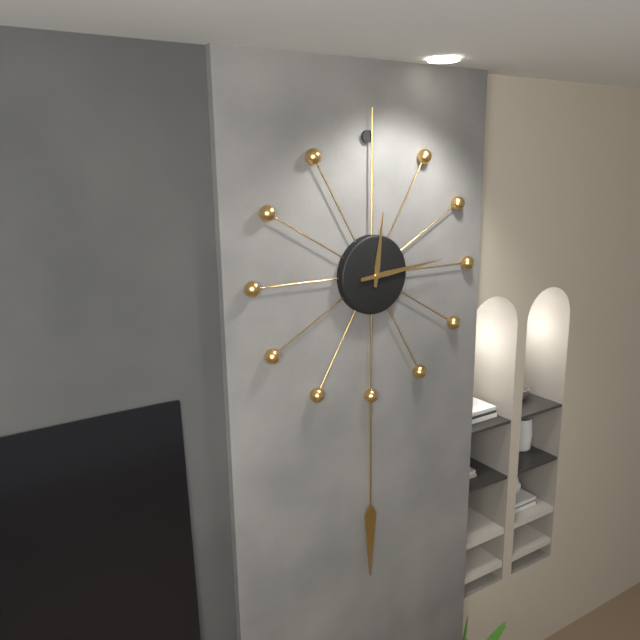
12:14
